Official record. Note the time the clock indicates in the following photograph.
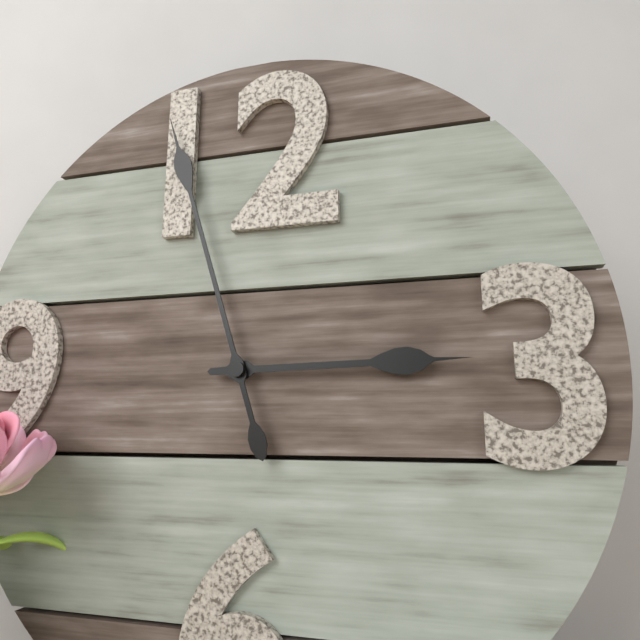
2:57
